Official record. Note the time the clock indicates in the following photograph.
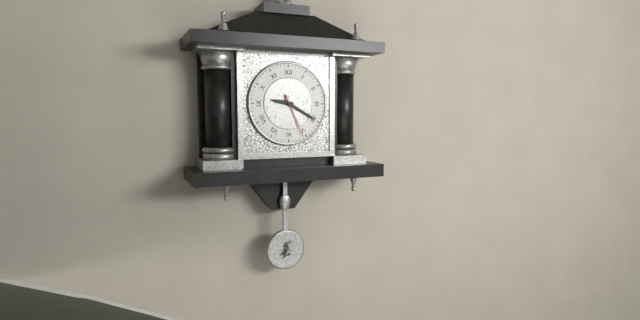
9:20:26
